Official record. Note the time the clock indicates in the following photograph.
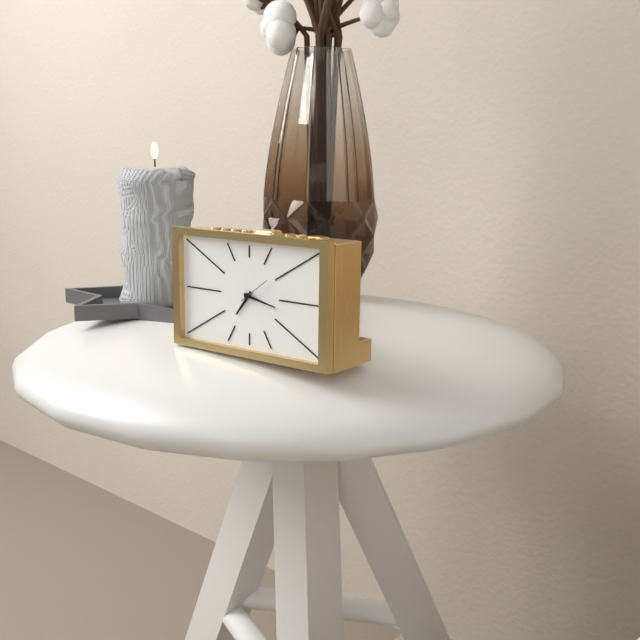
7:17
